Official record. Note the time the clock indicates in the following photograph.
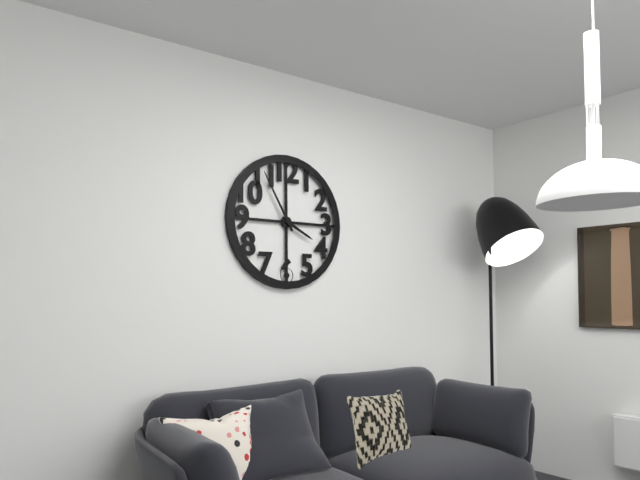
3:55
